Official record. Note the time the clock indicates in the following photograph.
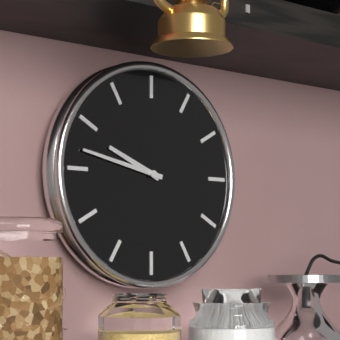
9:47
